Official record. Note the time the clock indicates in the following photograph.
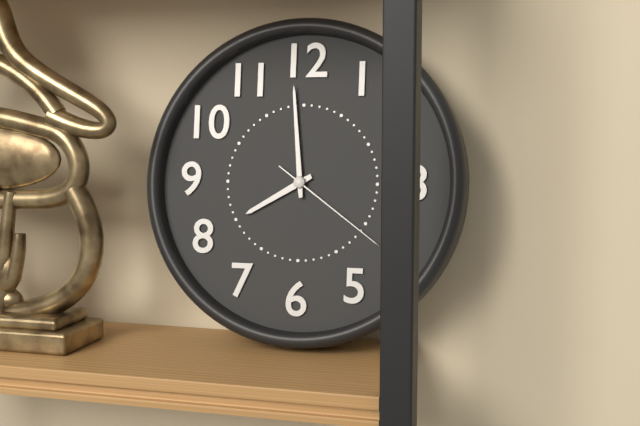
7:59:21
